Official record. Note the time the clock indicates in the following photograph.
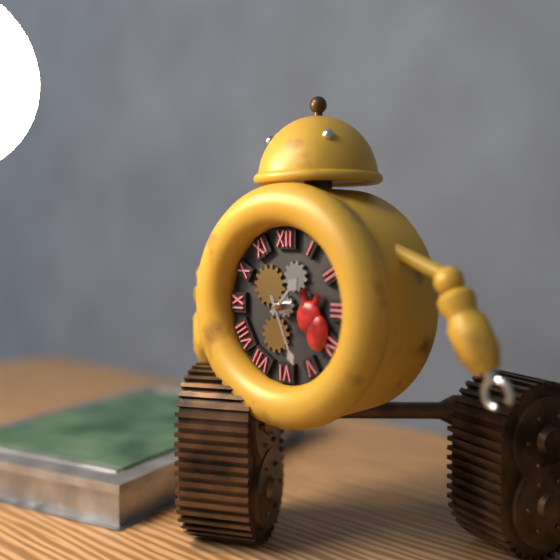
1:26
